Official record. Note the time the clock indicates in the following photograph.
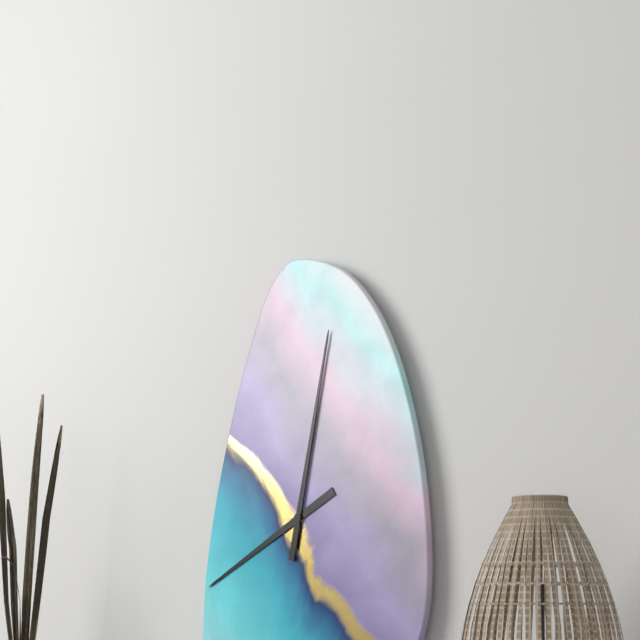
8:02
